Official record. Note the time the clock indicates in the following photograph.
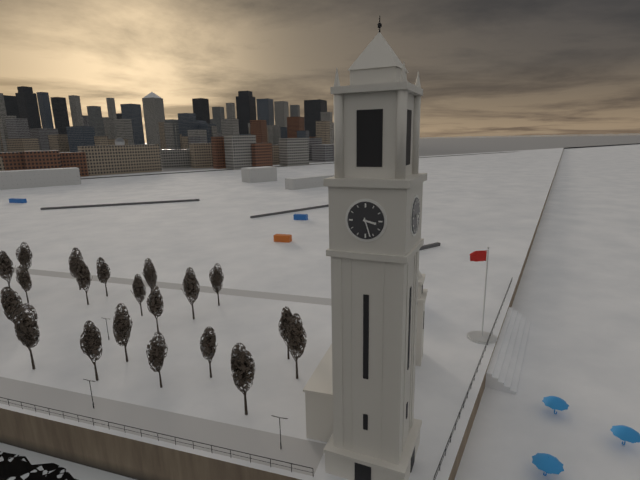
3:27
